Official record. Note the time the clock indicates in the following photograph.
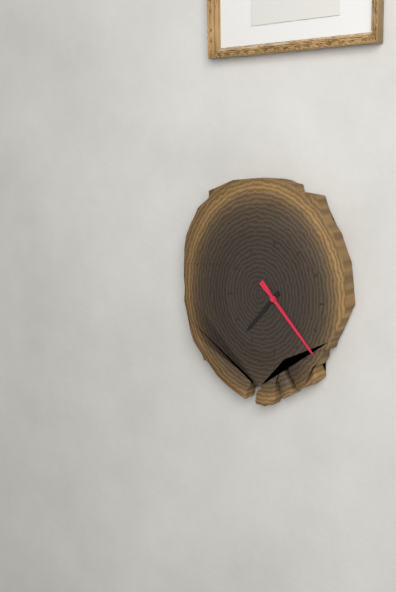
7:23
